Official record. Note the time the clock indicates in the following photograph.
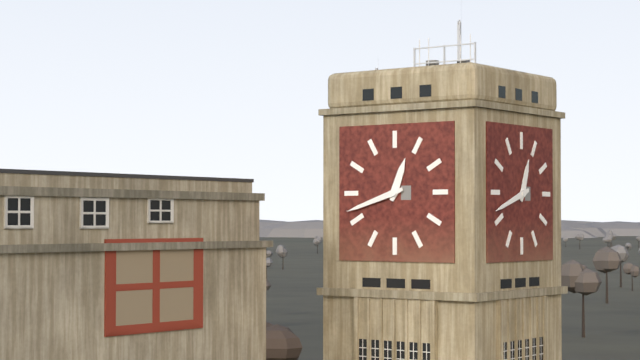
12:42
